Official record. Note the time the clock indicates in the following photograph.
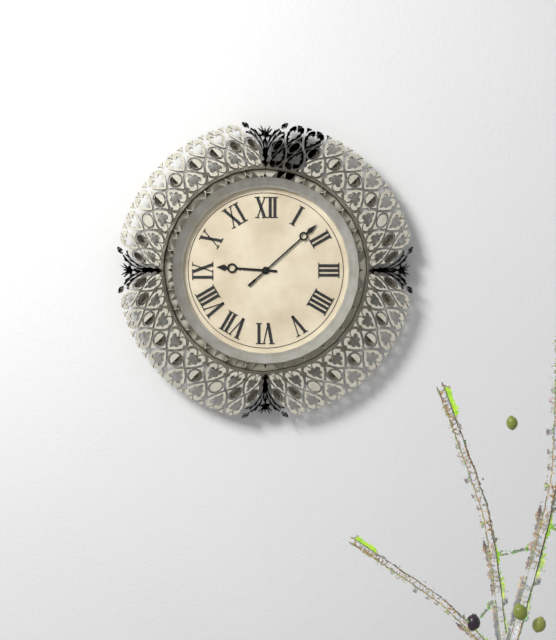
9:08
